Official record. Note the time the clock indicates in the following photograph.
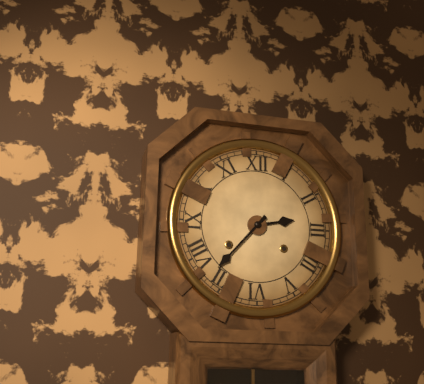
2:37
